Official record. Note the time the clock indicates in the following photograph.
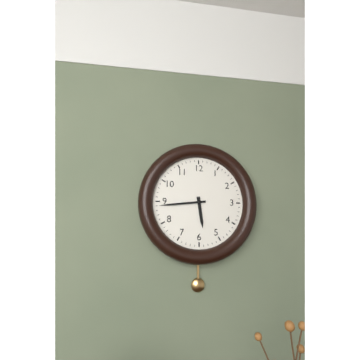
5:44
